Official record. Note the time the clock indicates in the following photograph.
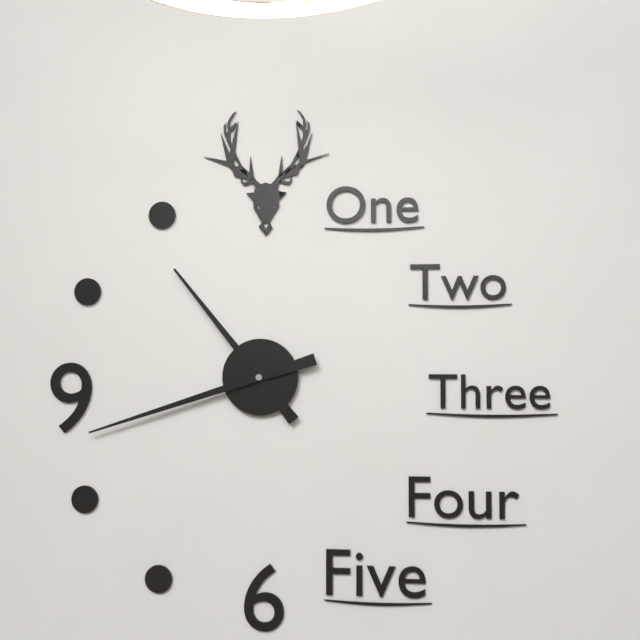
10:42
